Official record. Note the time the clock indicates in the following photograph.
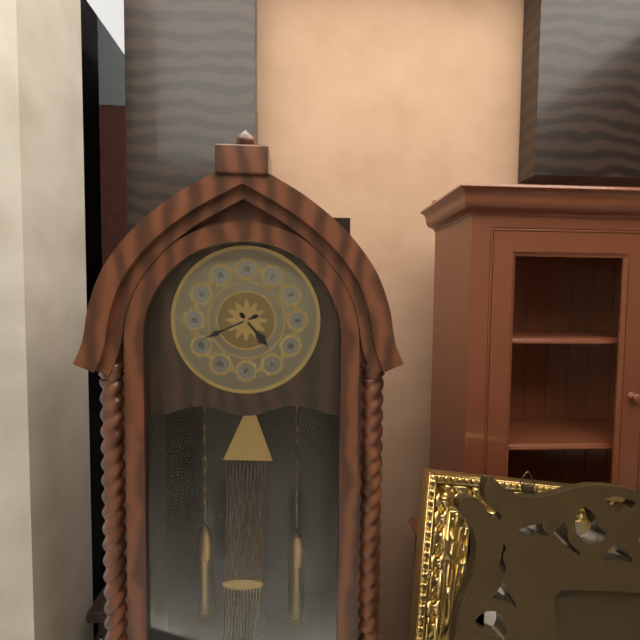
4:41
